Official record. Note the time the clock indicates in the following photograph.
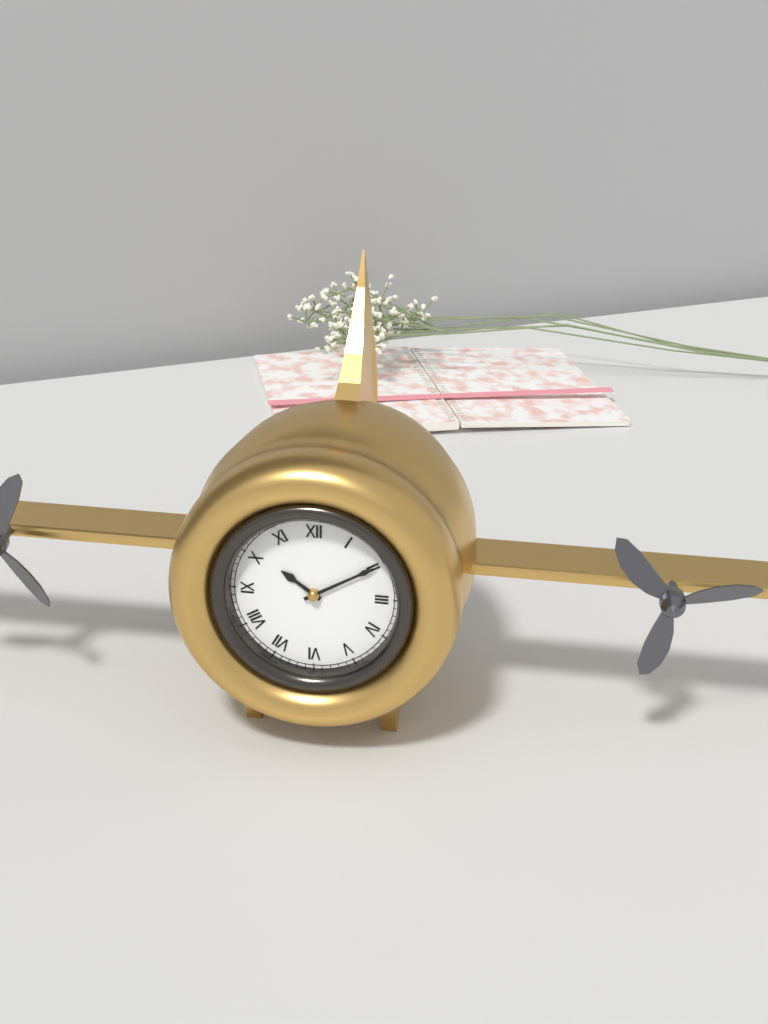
10:10
